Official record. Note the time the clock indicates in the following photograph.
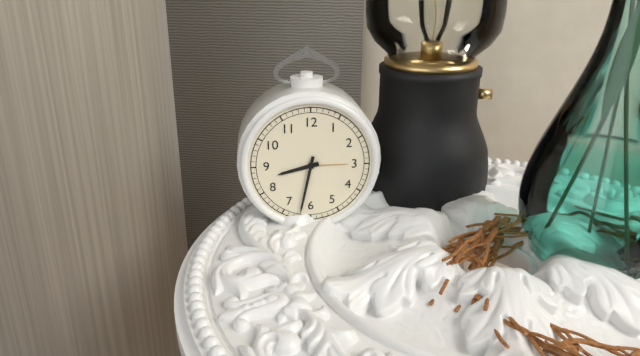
8:32
